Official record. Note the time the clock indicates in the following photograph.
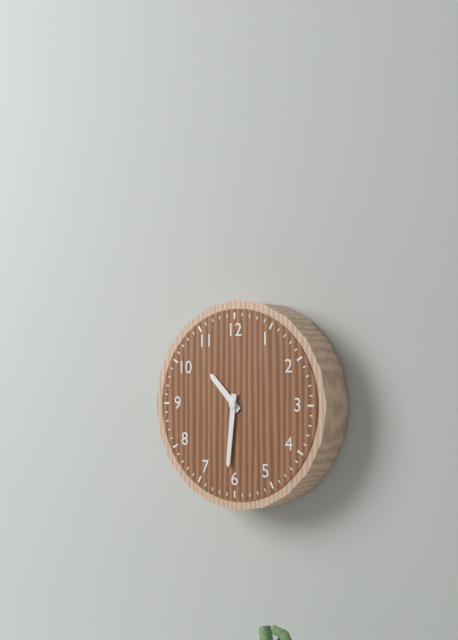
10:31
